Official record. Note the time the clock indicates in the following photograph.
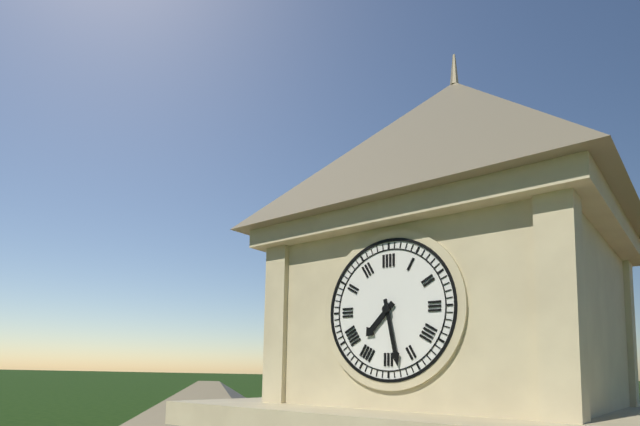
7:28
